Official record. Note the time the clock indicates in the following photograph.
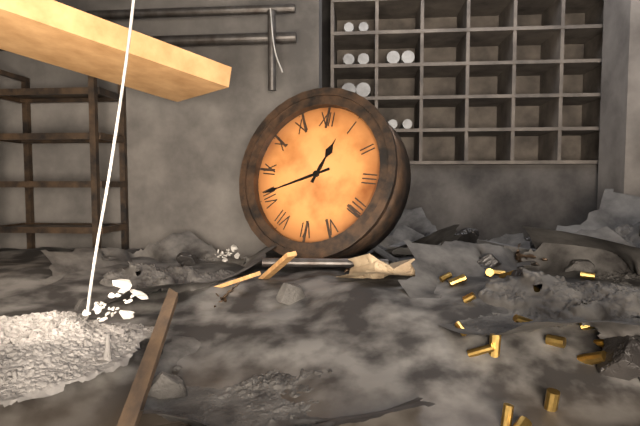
12:41
